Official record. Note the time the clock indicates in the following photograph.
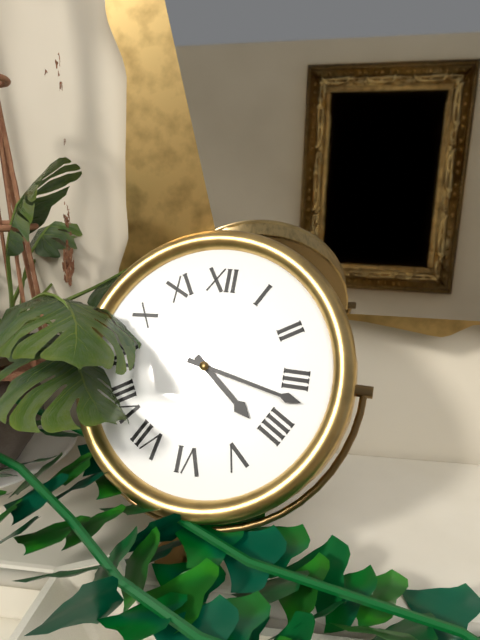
4:17
